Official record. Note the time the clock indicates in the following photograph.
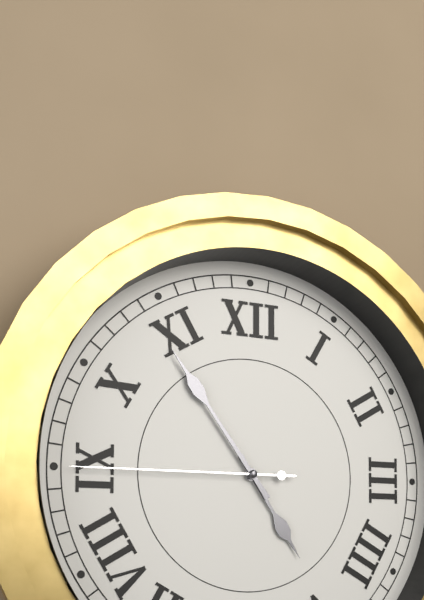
4:54:45
